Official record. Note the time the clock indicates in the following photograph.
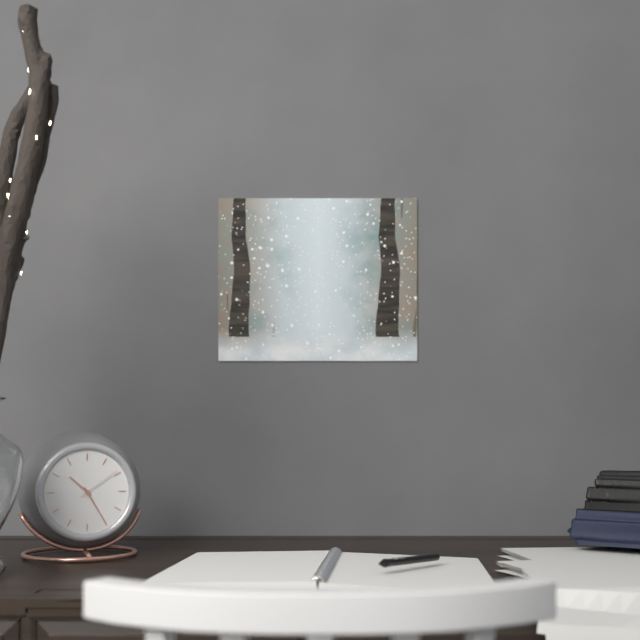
10:25
